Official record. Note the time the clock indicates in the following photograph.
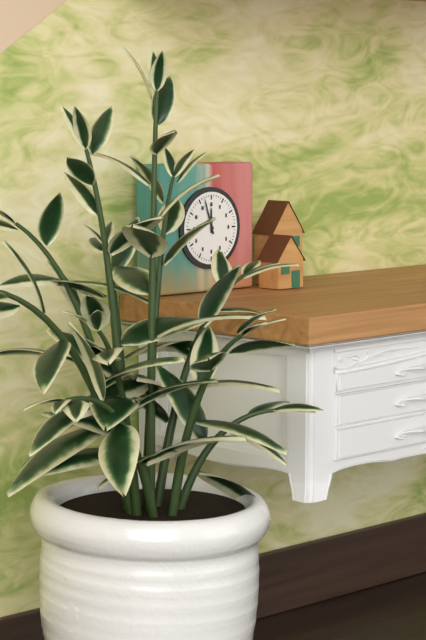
11:57
